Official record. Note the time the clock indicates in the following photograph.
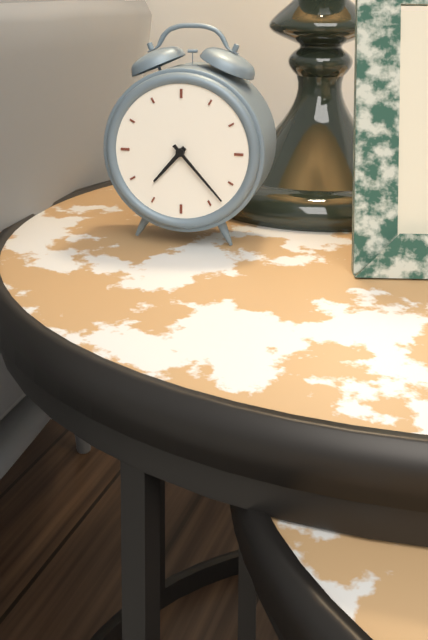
7:23
